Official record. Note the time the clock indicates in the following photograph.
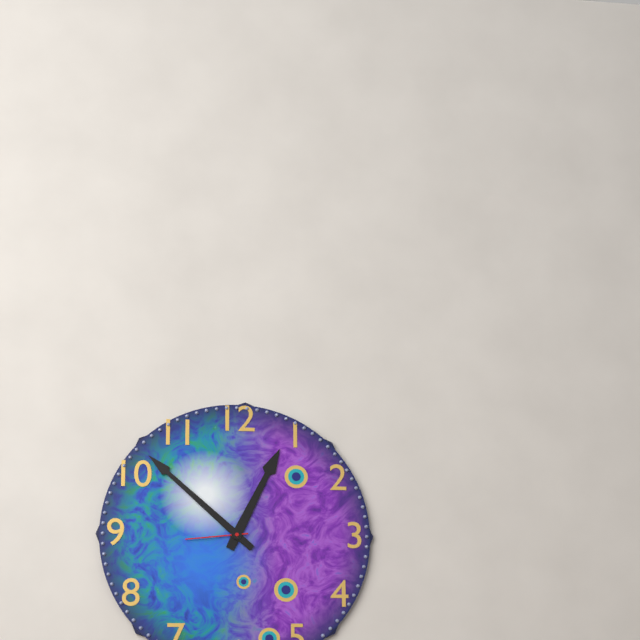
12:52:44
